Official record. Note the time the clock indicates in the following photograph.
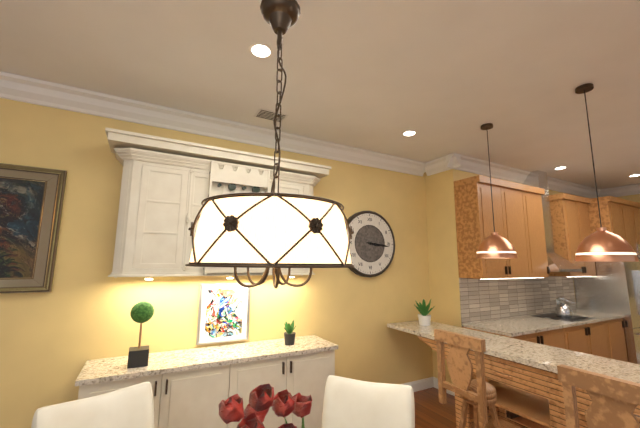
3:16
